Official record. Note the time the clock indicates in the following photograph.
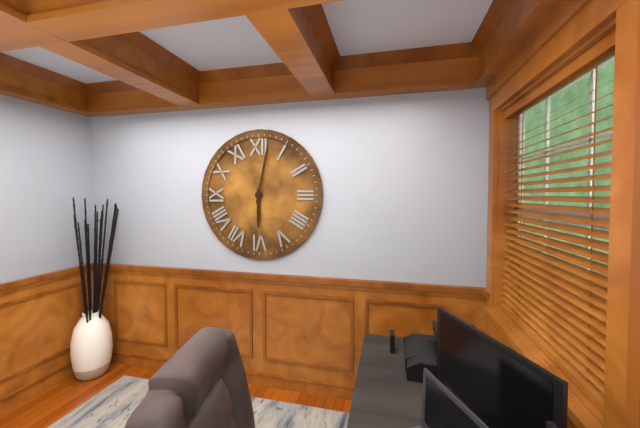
6:02
